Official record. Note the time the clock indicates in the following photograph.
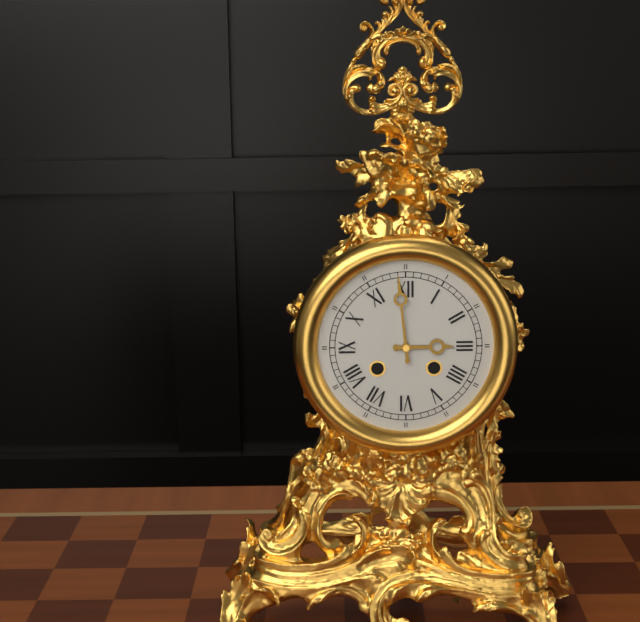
2:59
